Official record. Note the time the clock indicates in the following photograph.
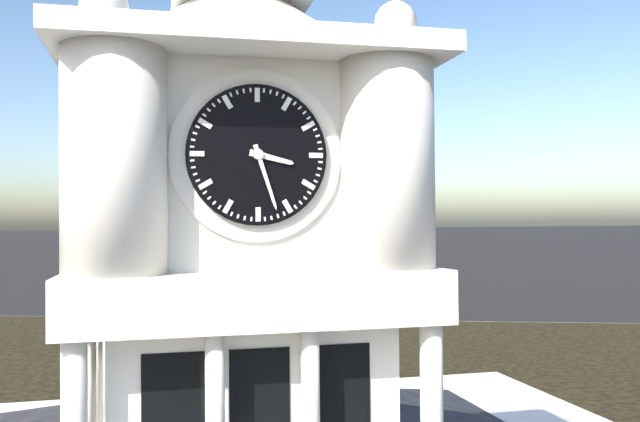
3:27
